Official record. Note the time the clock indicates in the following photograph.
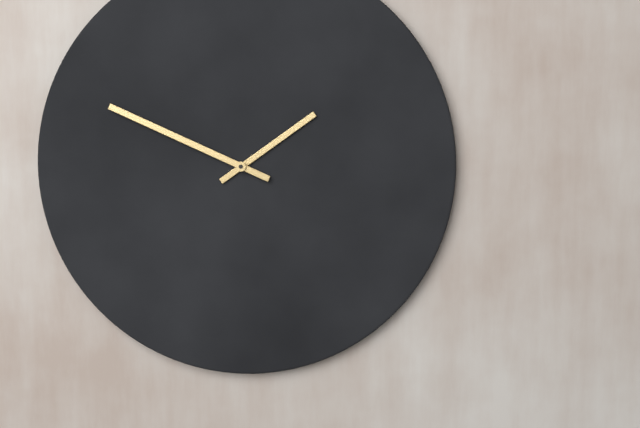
1:49
